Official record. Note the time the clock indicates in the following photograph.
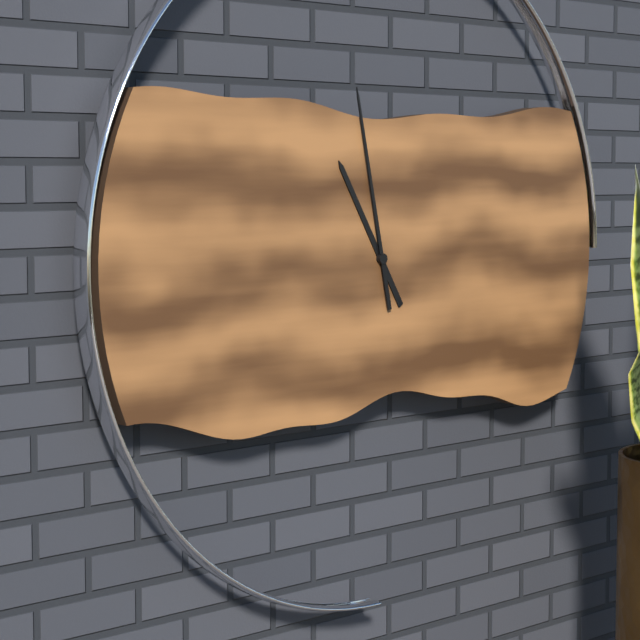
10:58
